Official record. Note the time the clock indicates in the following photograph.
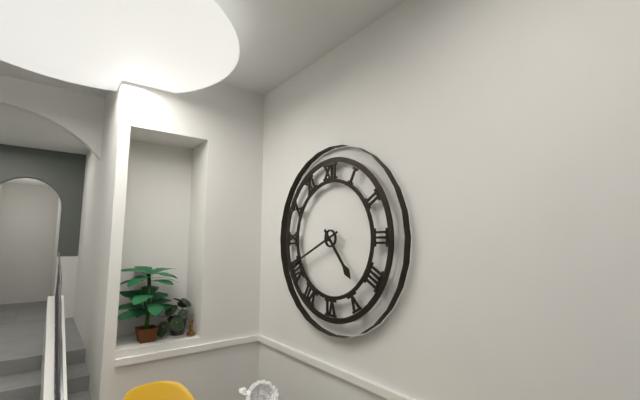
4:41
